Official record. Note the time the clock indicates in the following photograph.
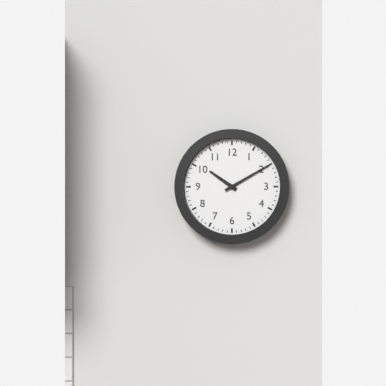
10:10
